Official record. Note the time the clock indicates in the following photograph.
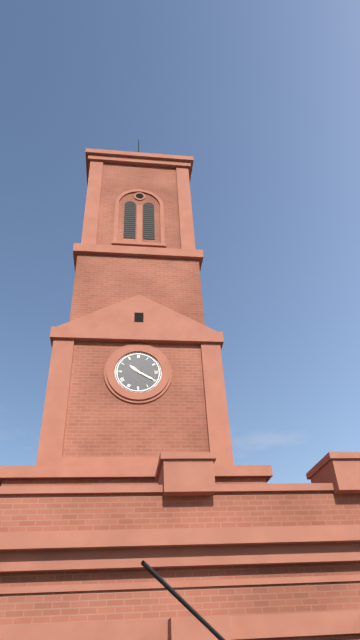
10:20
